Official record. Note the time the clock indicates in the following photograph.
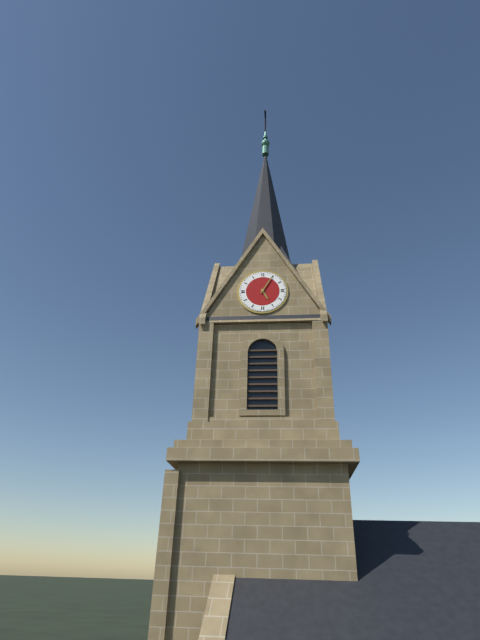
5:05
